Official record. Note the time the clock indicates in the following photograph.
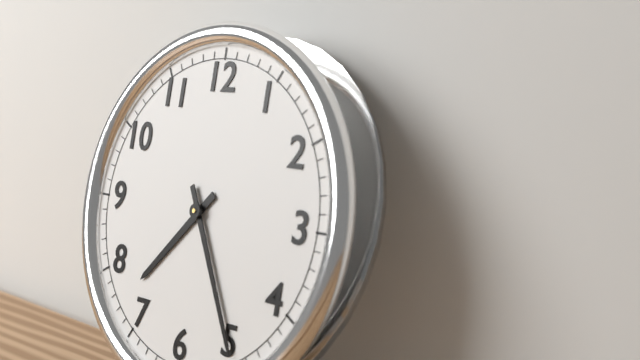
7:25
